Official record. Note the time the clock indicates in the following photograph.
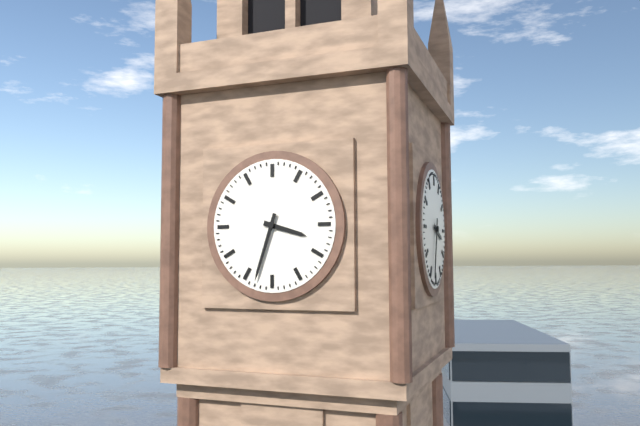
3:33
